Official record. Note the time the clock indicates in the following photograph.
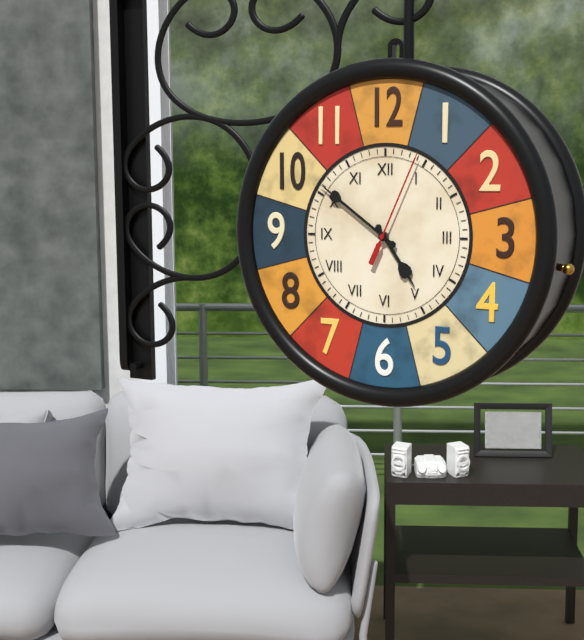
4:51:04
